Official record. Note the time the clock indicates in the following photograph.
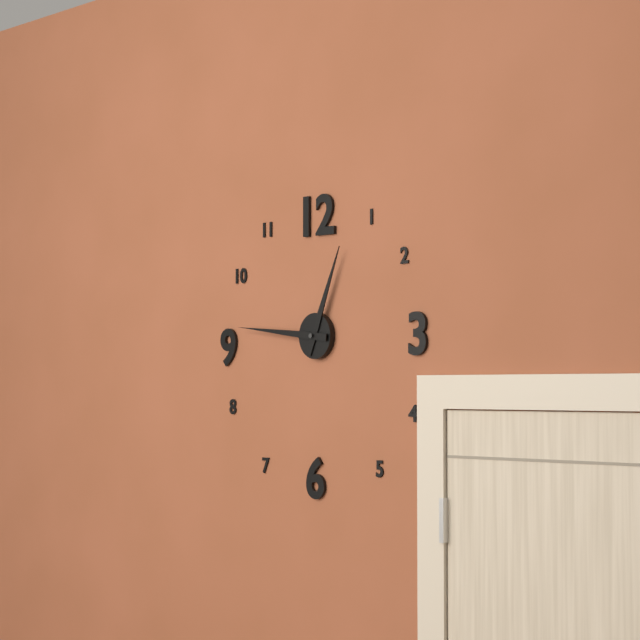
12:46
